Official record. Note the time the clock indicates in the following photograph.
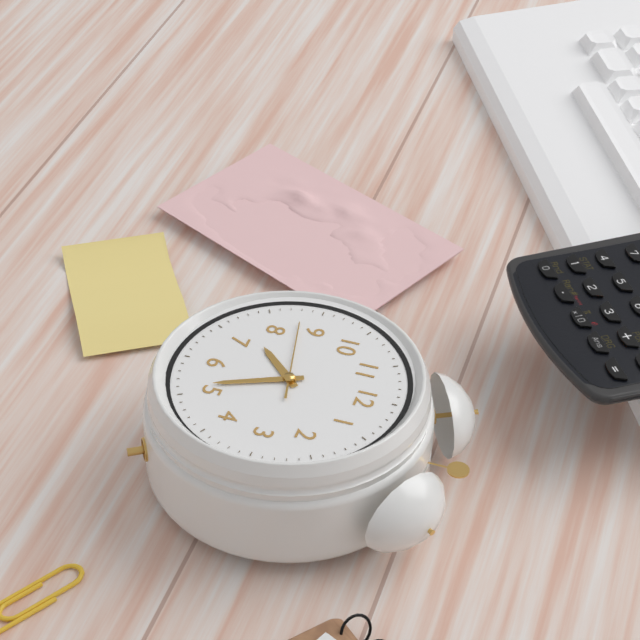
7:26:43
